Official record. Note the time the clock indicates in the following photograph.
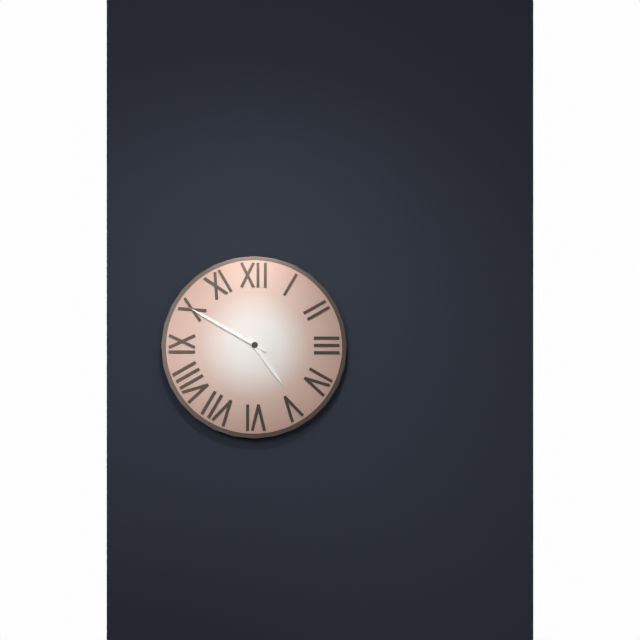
4:50
